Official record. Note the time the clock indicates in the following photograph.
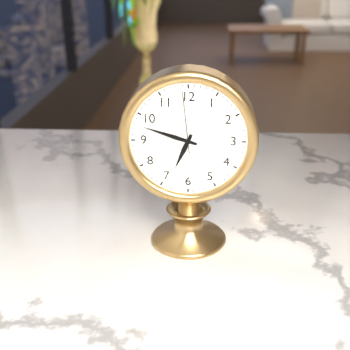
6:48:59
